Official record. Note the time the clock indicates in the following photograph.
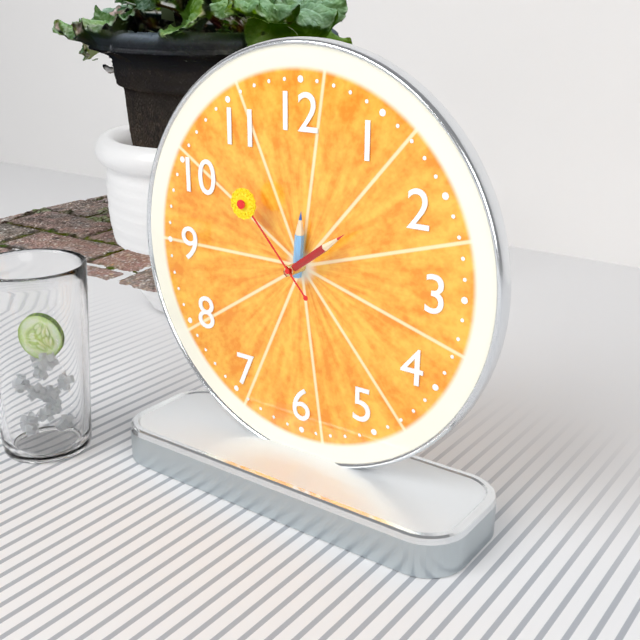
12:09:53
